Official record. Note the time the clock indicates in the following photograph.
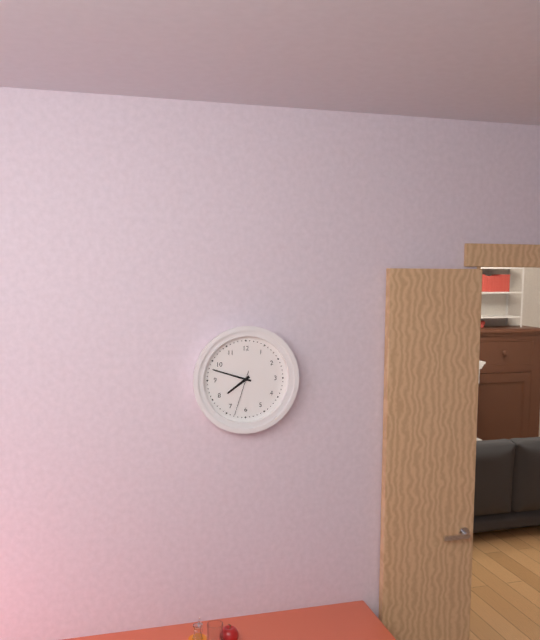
7:48
